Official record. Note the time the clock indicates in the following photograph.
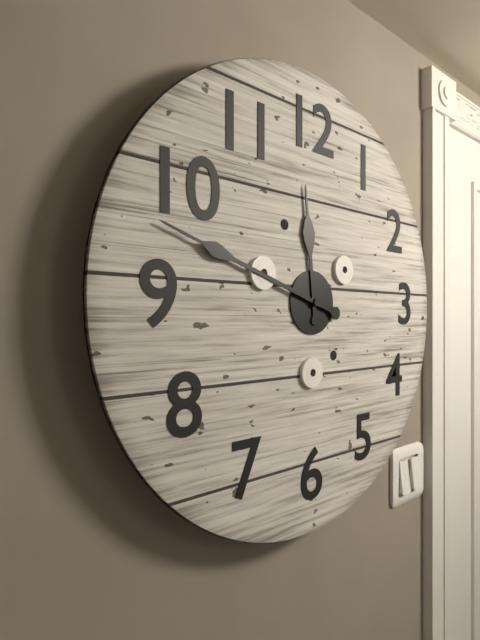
11:48
